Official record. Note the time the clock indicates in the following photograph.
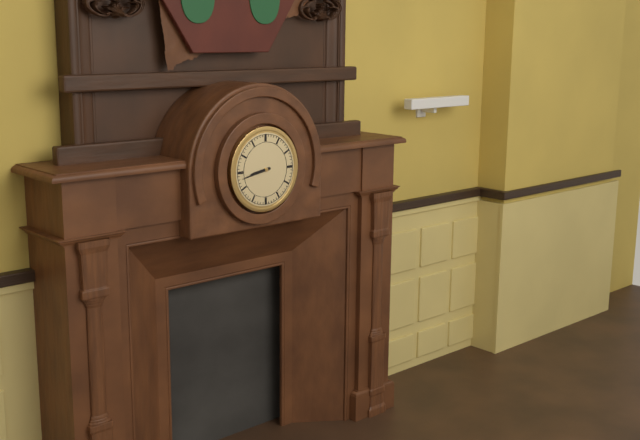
8:43
